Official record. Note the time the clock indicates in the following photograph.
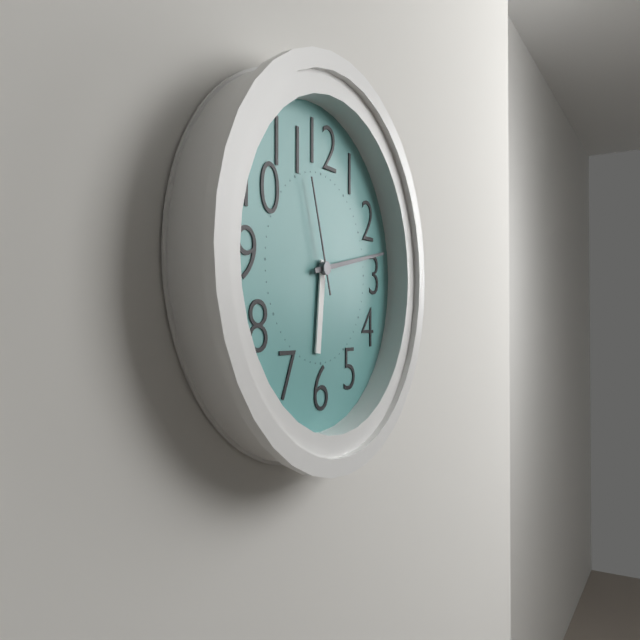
6:13:57
